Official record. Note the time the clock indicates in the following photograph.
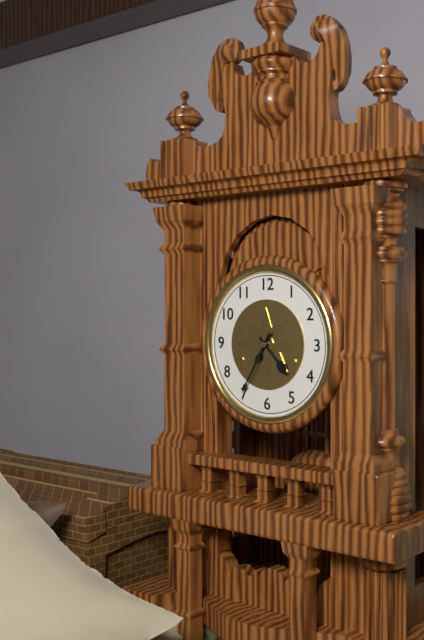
4:35
